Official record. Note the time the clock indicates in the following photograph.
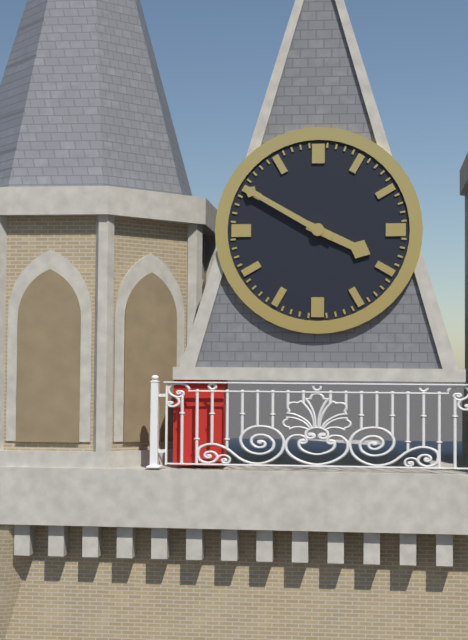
3:50
